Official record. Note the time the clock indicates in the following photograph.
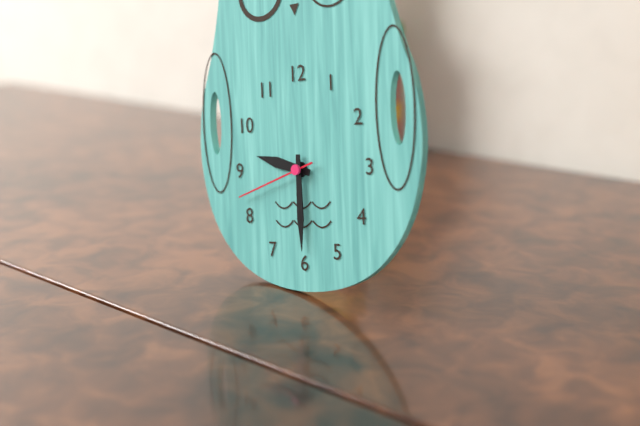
9:30:42
